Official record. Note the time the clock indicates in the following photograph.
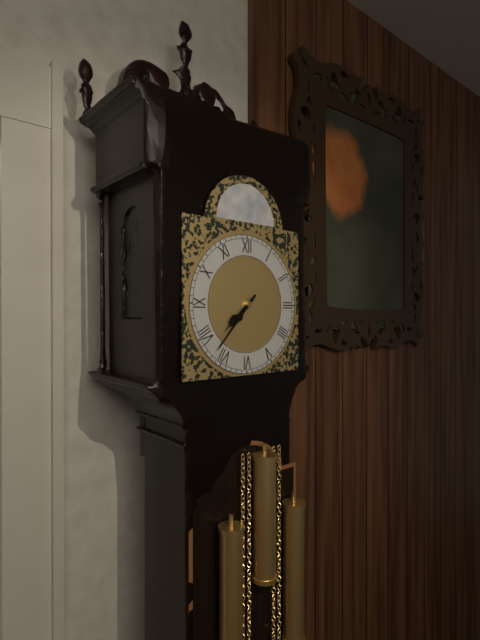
7:37
